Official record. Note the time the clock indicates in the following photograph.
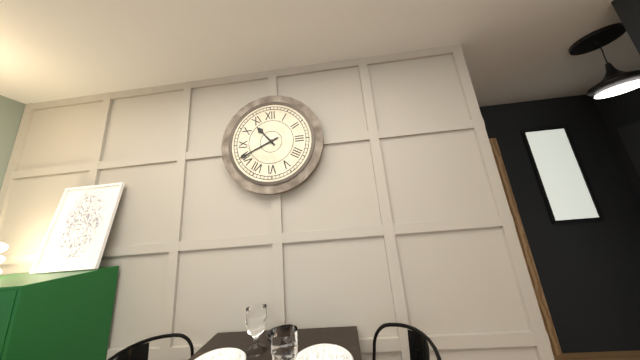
10:41
